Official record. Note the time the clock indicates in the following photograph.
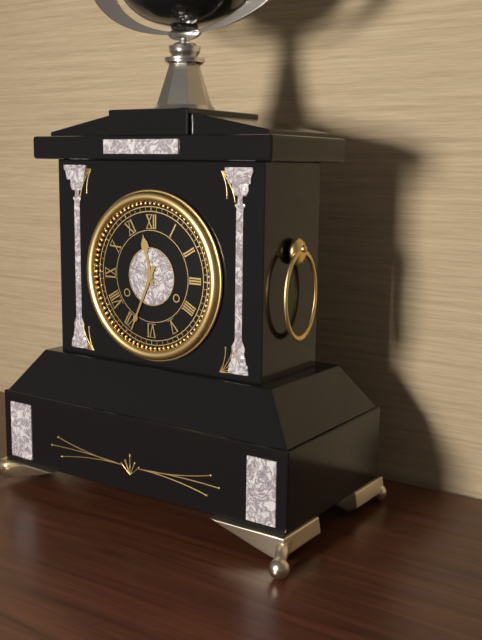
11:34
